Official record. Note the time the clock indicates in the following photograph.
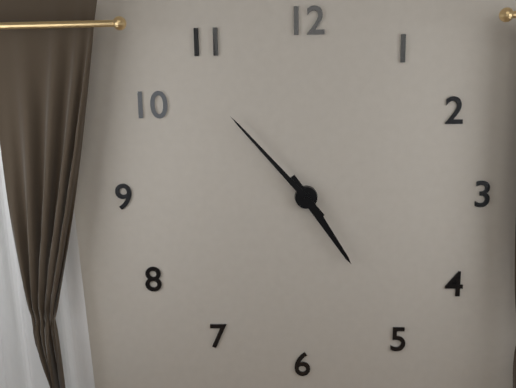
4:53
